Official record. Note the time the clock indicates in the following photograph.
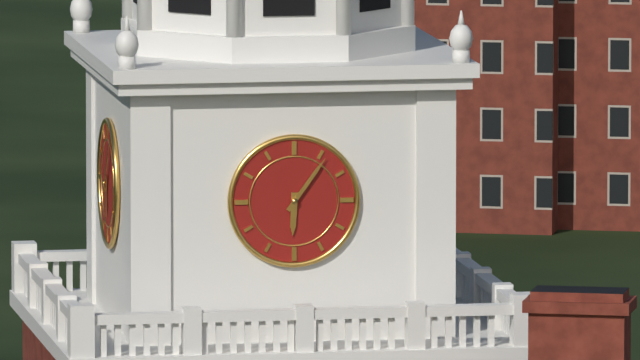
6:06
